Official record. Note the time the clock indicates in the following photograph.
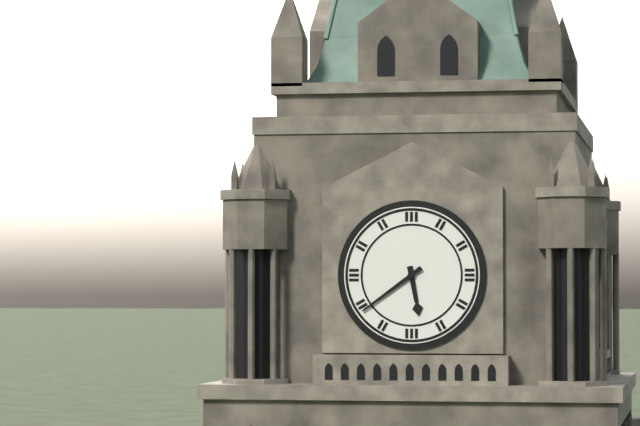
5:39
